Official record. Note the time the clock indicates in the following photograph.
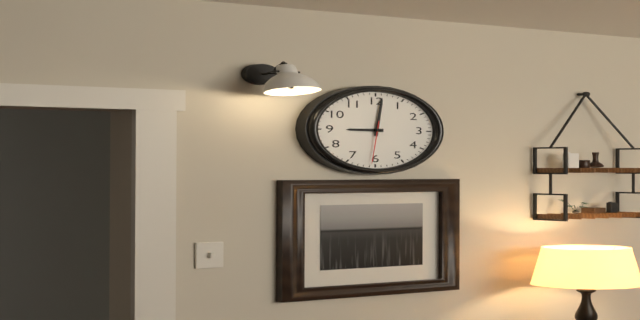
9:01
